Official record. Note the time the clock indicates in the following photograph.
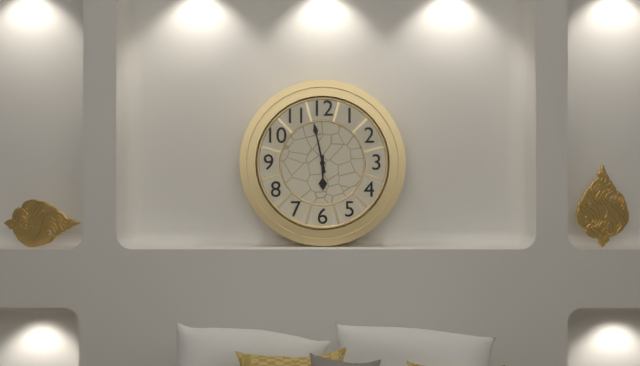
5:58
